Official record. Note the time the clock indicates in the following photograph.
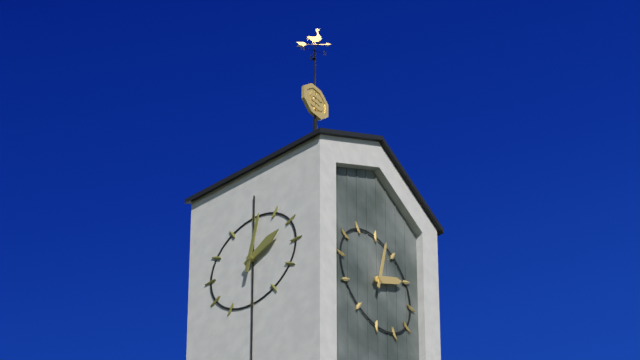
2:02
